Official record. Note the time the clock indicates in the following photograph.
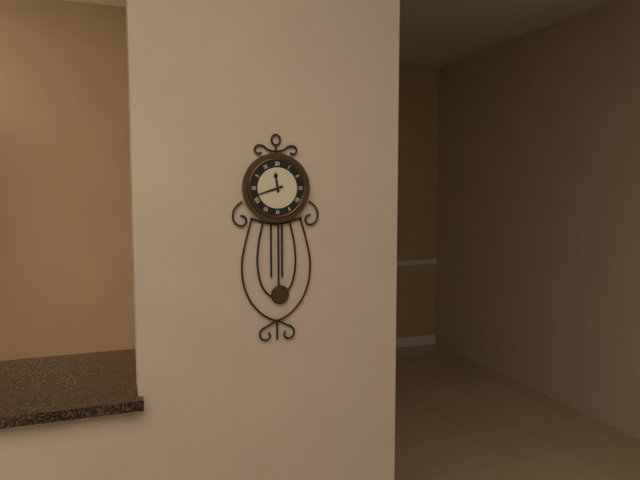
11:42
